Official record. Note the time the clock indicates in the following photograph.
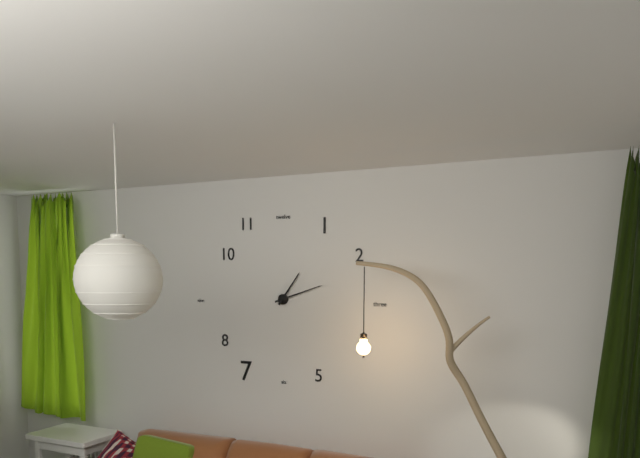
1:12
